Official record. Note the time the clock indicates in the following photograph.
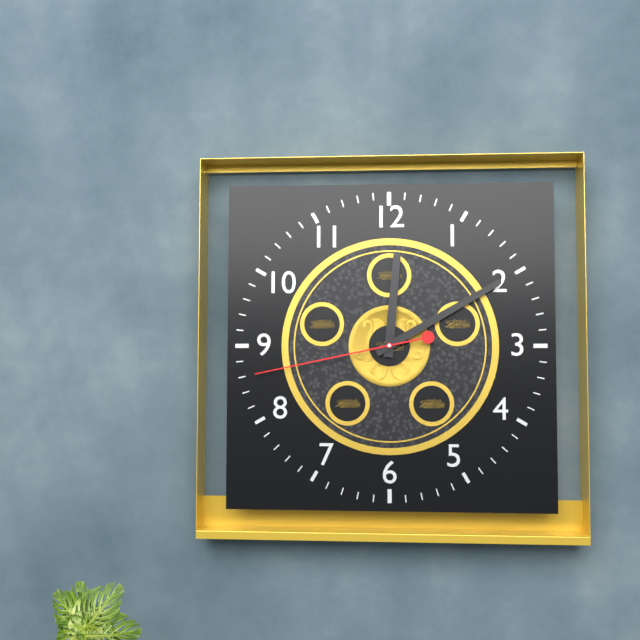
12:10:43
